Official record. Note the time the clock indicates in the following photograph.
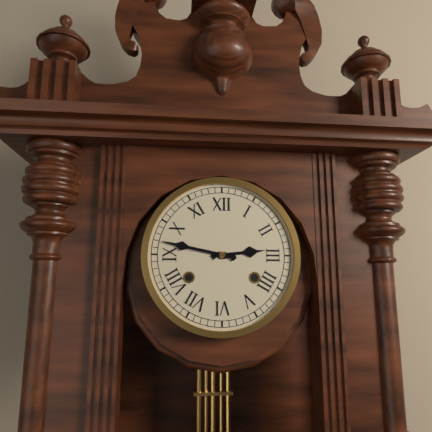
2:47
